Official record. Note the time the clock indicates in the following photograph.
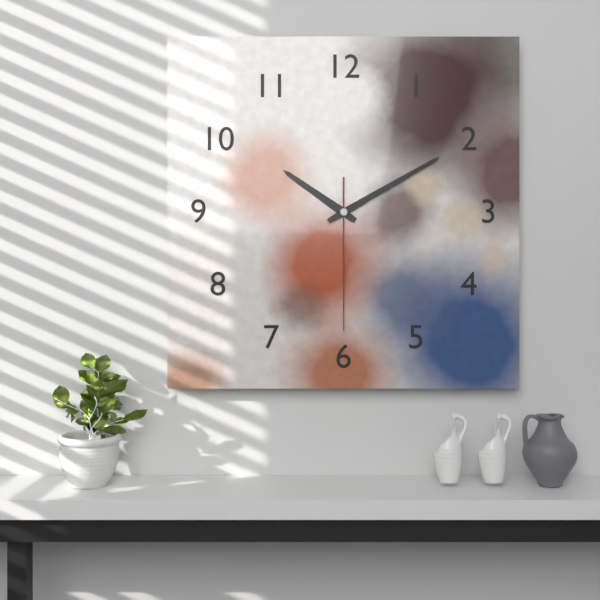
10:10:30
